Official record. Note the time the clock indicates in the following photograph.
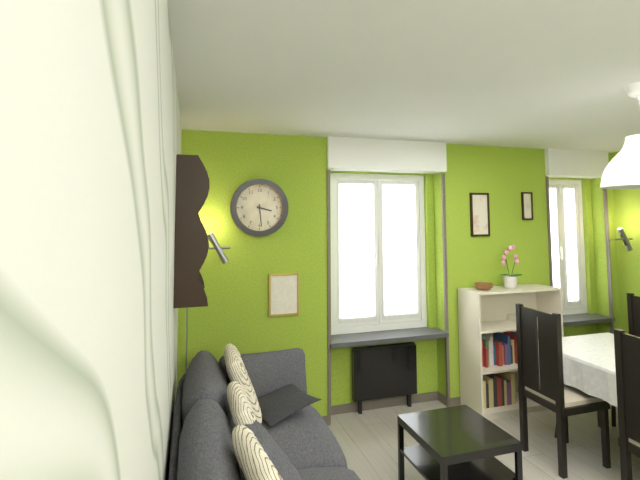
3:29
